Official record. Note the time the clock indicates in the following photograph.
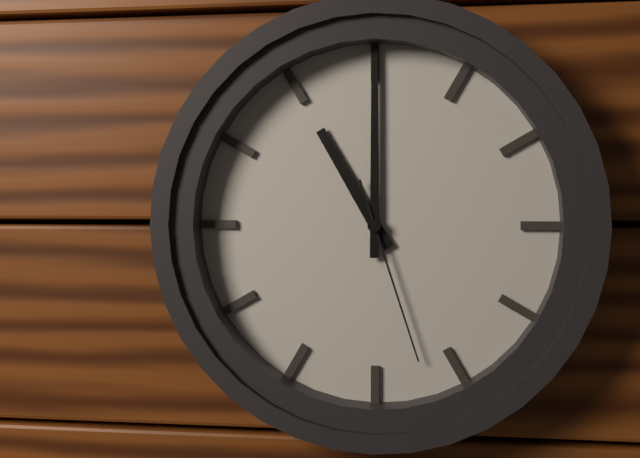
11:00:27
